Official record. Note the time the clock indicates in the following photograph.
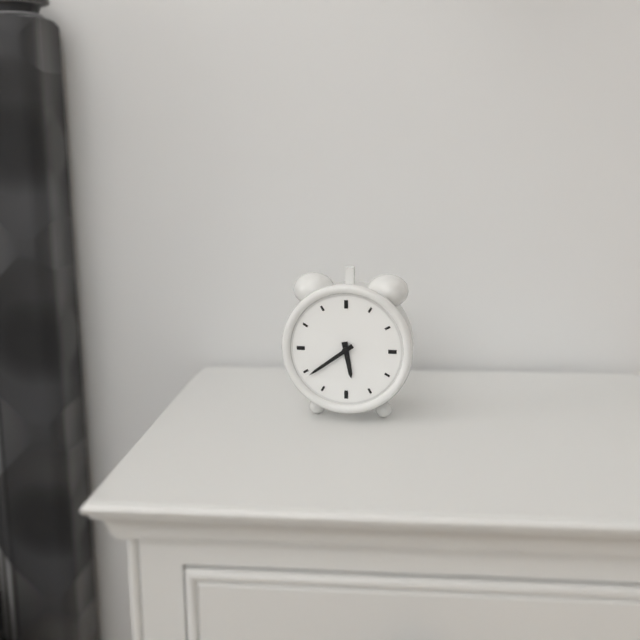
5:39
